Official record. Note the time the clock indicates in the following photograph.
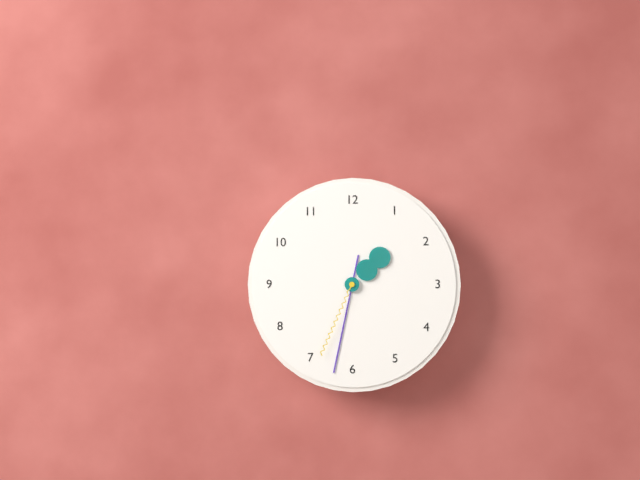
1:32:34
